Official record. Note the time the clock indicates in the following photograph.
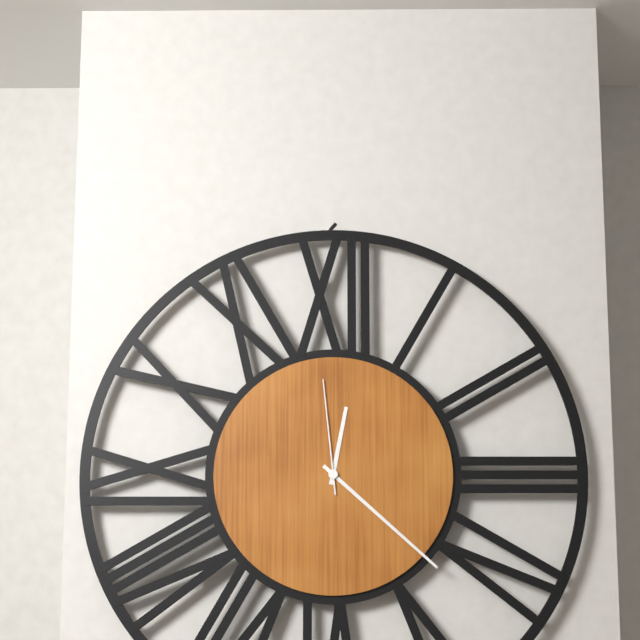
12:22:59
